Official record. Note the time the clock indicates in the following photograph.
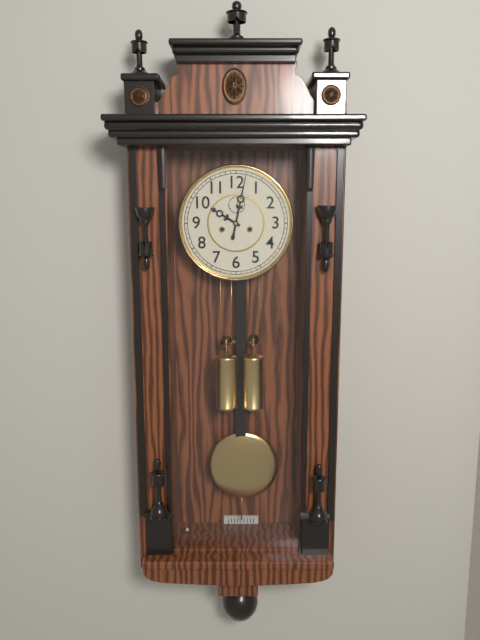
10:02
